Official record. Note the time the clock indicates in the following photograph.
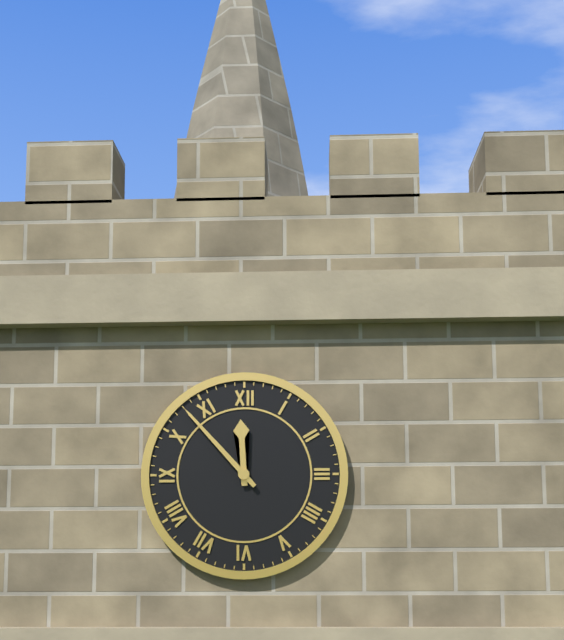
11:53
